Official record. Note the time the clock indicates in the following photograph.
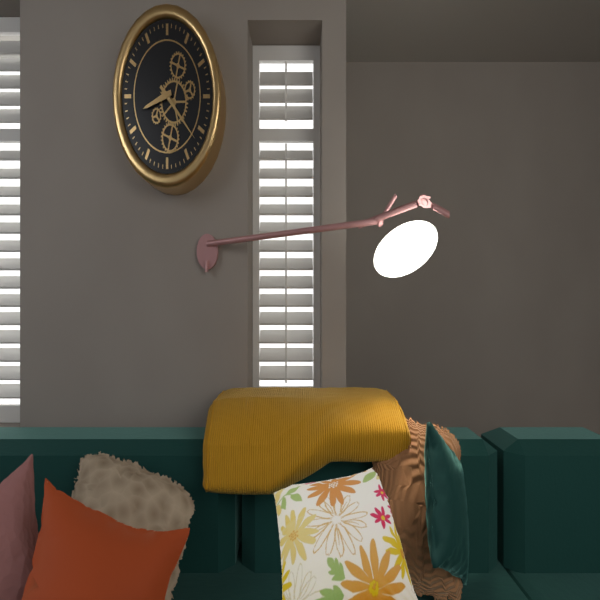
8:22
